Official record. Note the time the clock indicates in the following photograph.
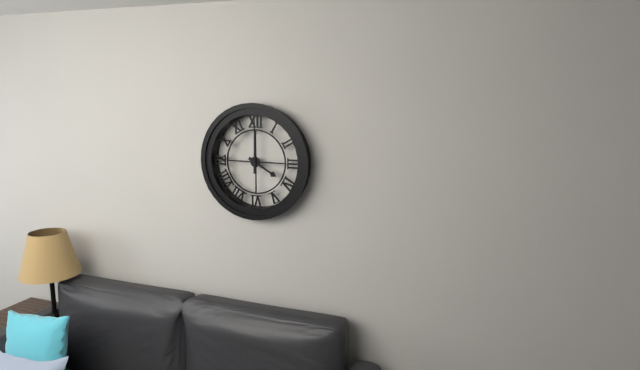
4:00
